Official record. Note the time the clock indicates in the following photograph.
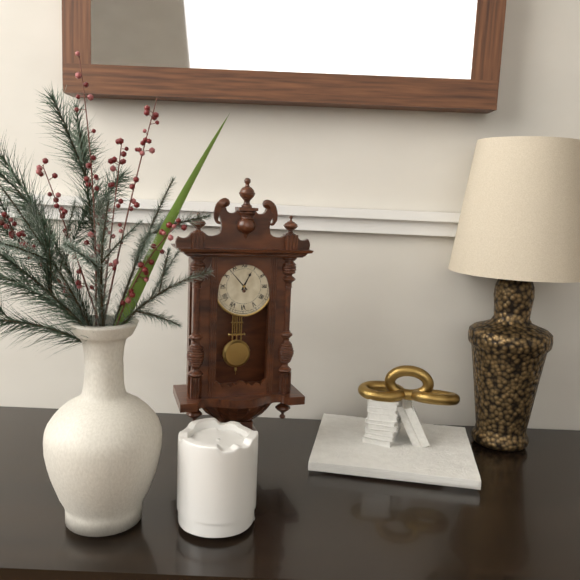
12:53
